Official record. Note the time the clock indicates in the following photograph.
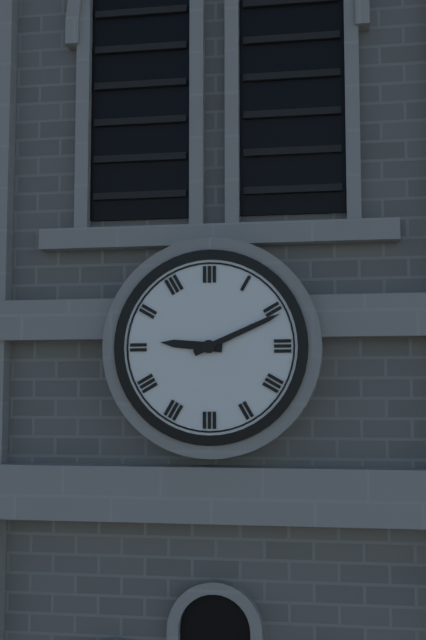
9:11
